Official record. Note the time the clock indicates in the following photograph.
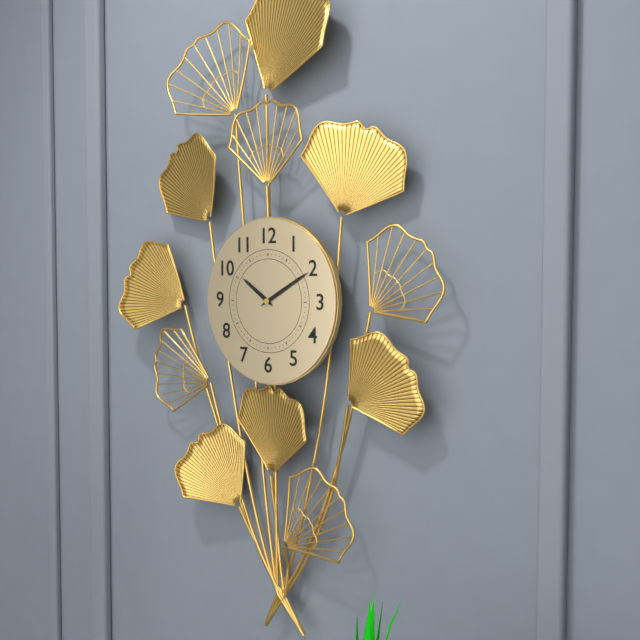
10:10
